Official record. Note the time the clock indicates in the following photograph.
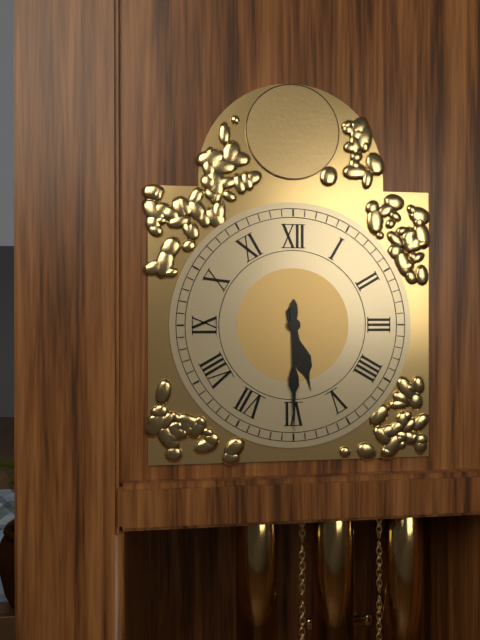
5:30
